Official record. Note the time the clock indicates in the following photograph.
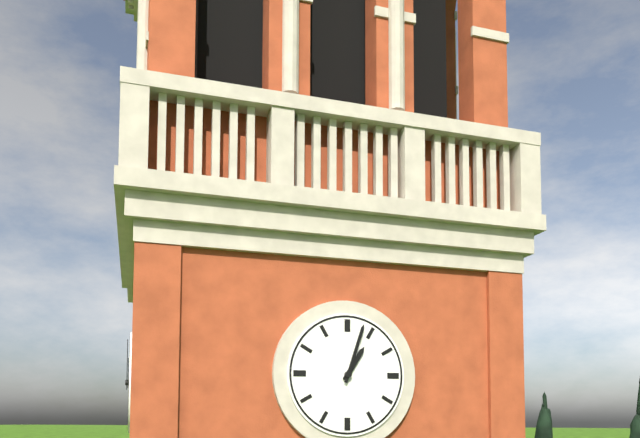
1:03
